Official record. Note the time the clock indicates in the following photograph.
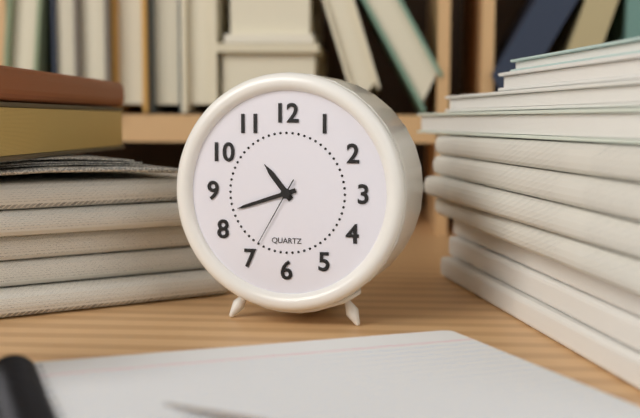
10:42:35
